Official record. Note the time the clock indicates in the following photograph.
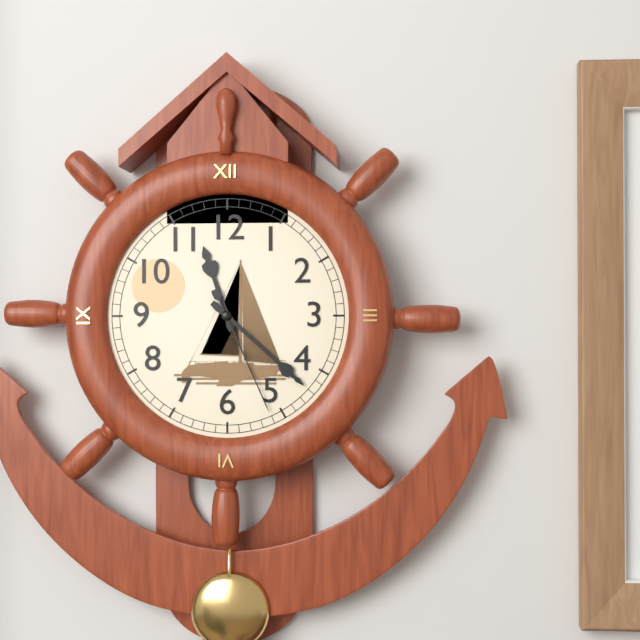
11:22:26
